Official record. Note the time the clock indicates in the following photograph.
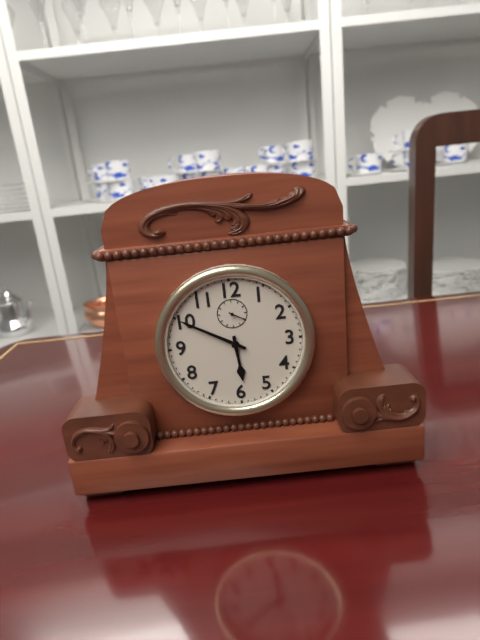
5:50
